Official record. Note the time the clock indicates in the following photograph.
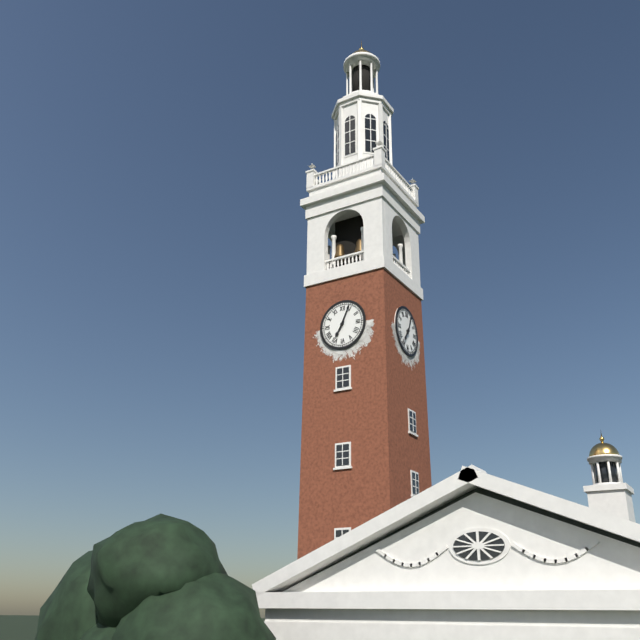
7:04
